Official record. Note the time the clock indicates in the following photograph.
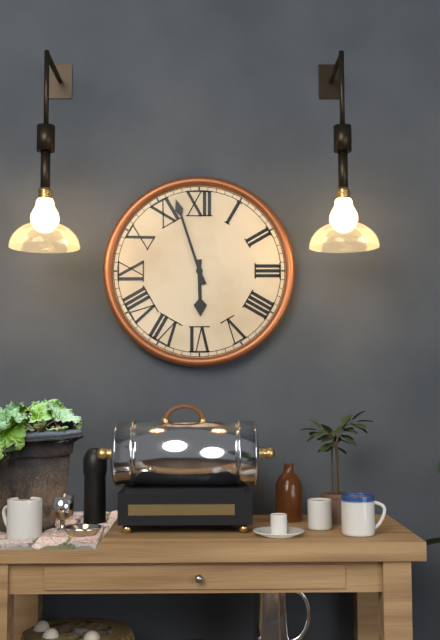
5:57
